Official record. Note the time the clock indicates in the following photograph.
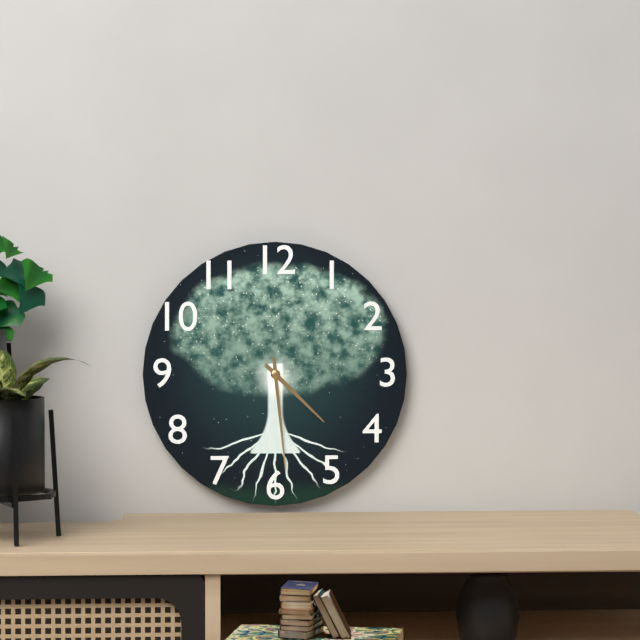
4:29
